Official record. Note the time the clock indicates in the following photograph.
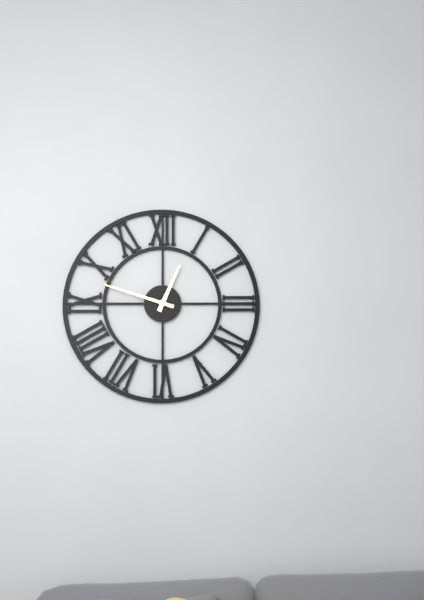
12:48
